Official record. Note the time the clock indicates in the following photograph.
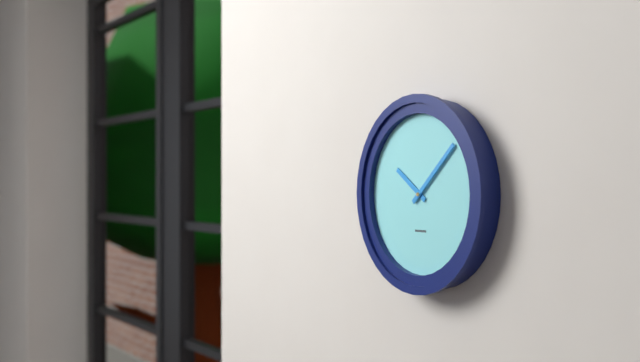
10:08
